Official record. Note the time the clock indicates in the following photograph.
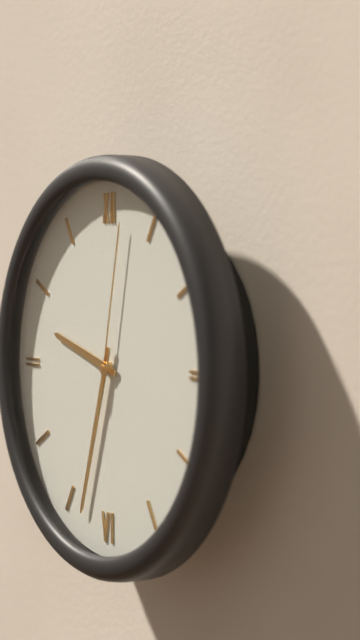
9:33:02
